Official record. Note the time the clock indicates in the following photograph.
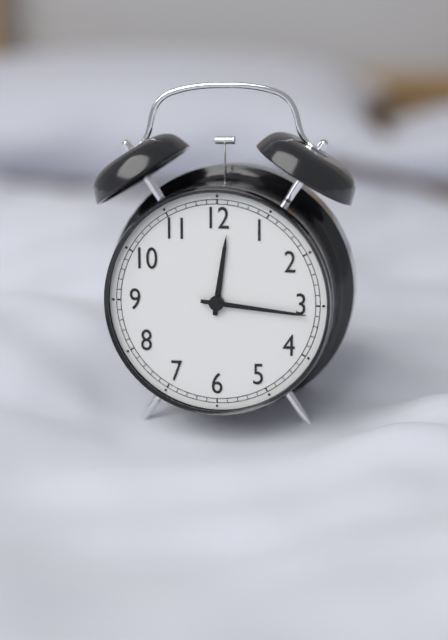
12:16
